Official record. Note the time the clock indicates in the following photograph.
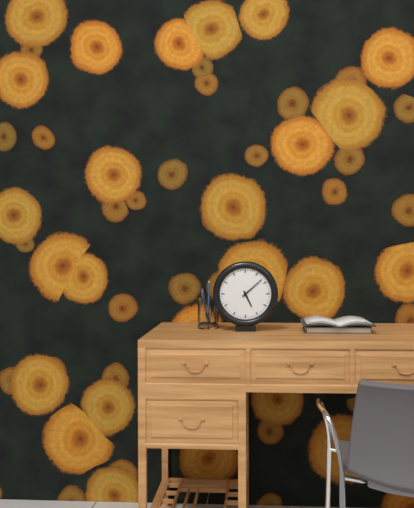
5:08
